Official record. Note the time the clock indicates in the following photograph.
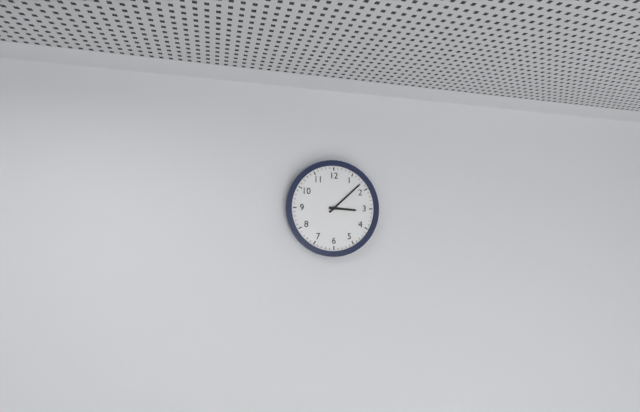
3:08
